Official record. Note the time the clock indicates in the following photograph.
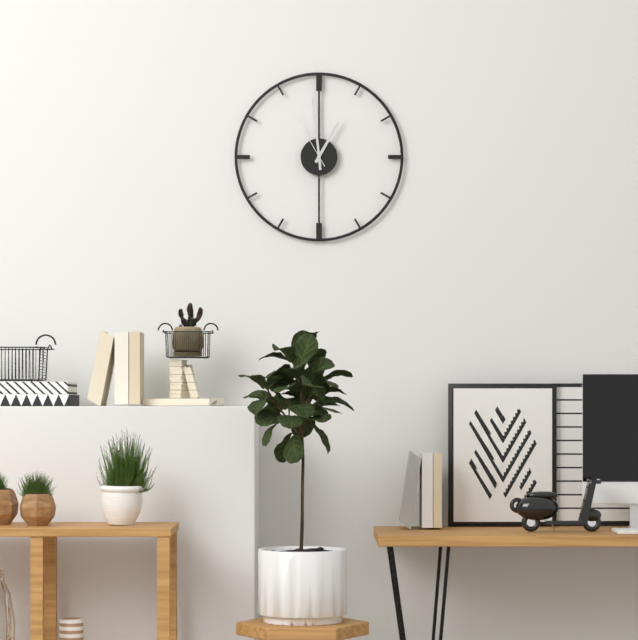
12:59:55
